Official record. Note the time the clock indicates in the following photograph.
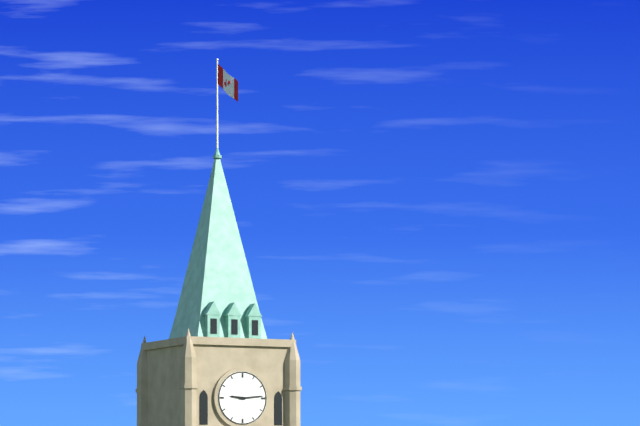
9:14
